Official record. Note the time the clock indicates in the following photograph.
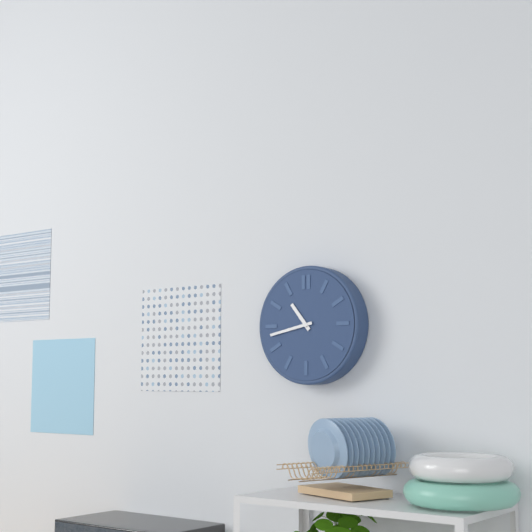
10:43
